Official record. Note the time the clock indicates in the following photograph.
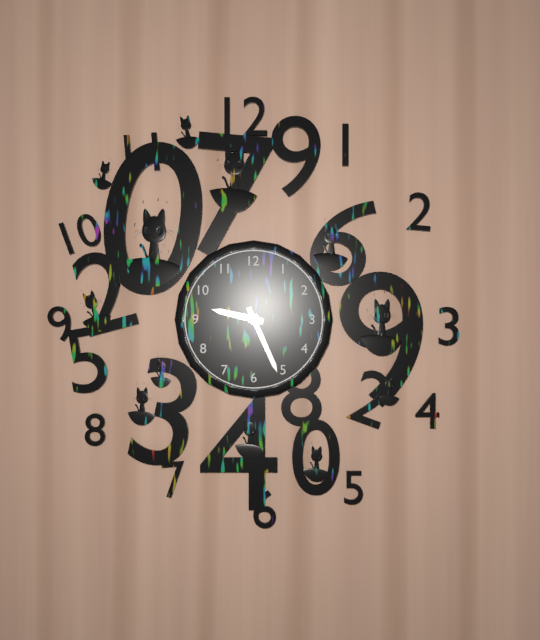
9:26
